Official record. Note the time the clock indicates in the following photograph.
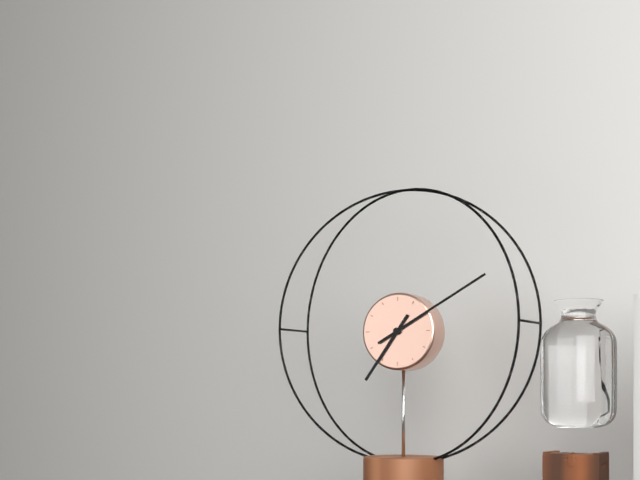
7:10
